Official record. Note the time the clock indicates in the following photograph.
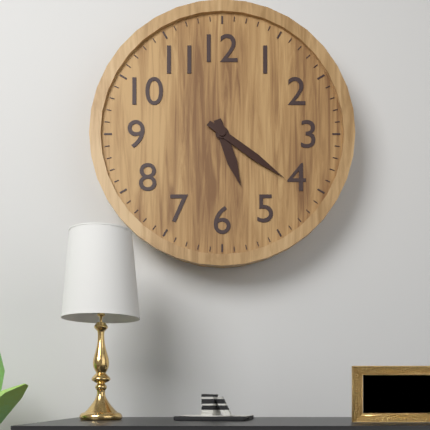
5:21
